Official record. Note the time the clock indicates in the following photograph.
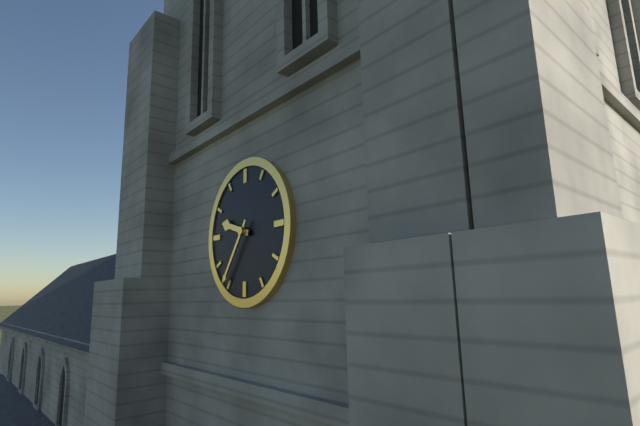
9:36
